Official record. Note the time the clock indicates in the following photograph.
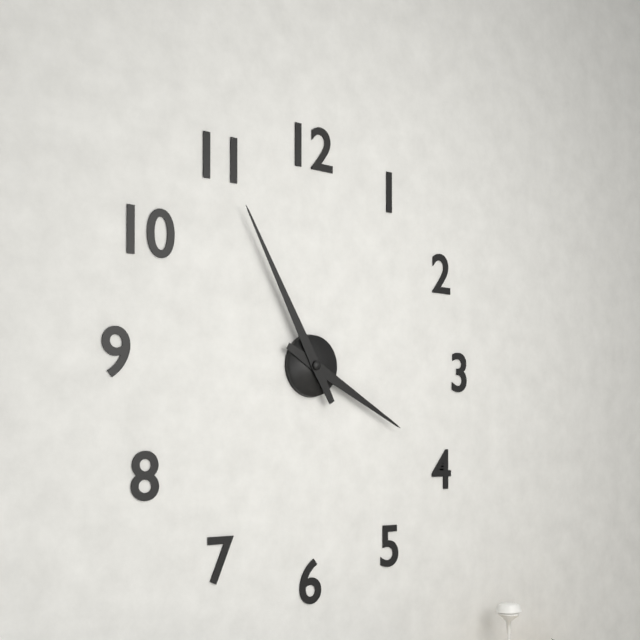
3:55
